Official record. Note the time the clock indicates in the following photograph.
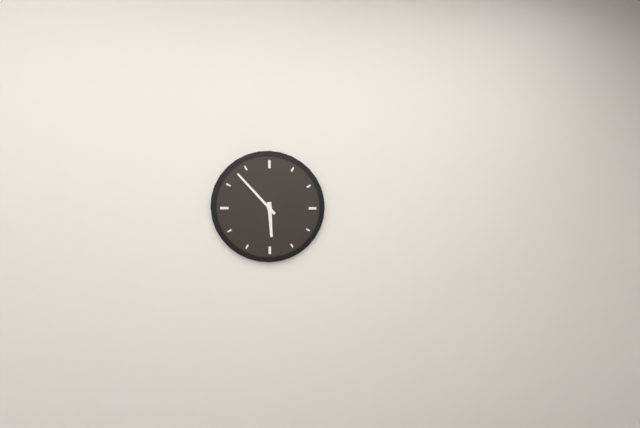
5:53
